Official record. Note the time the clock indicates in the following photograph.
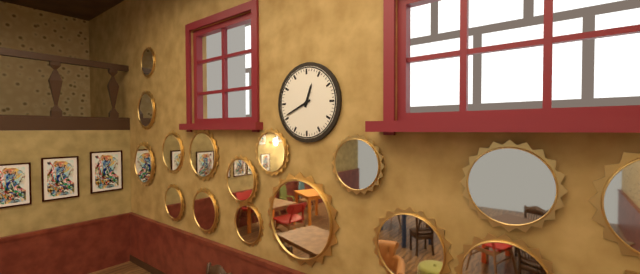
12:41
